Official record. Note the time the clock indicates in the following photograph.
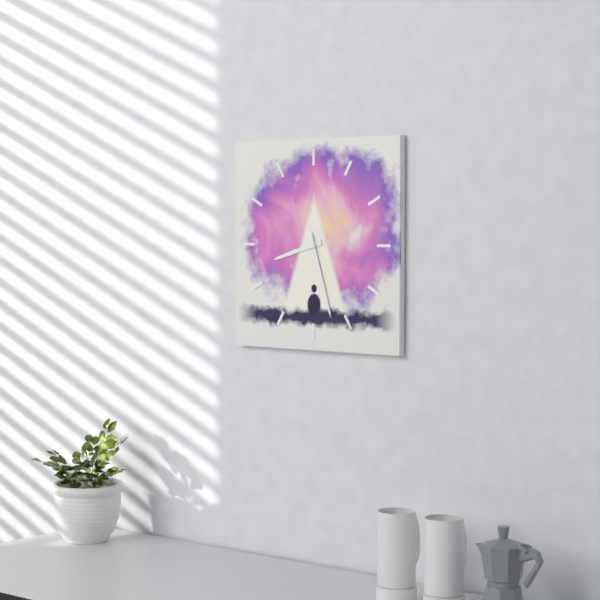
8:27
